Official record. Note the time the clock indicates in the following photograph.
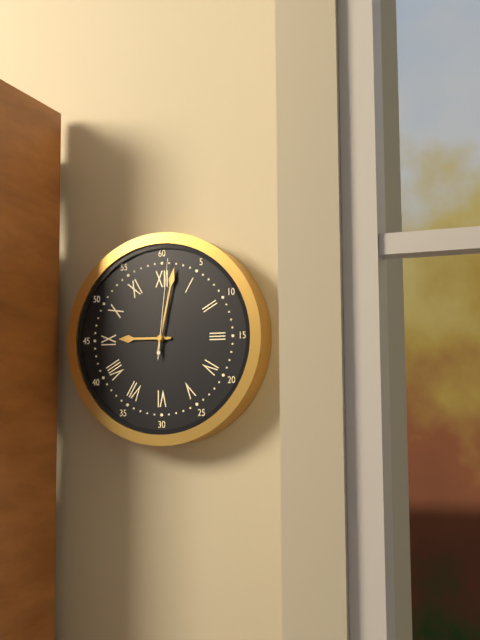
9:02:01
